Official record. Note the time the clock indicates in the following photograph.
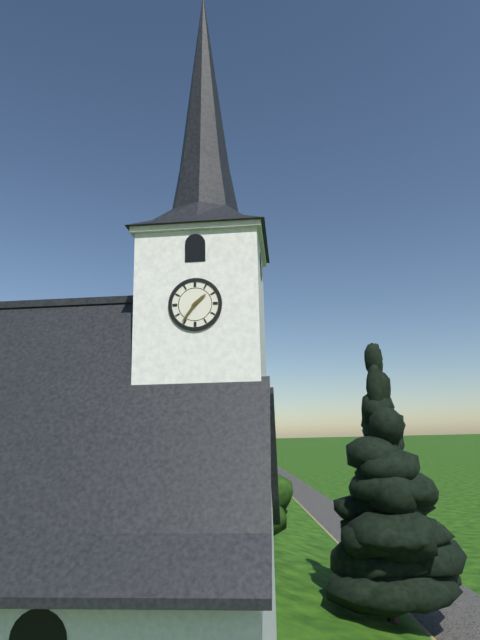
1:36
